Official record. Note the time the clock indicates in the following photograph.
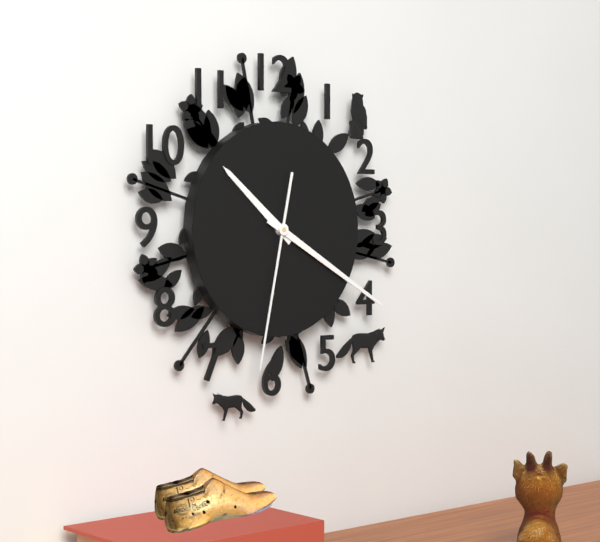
10:20:32
